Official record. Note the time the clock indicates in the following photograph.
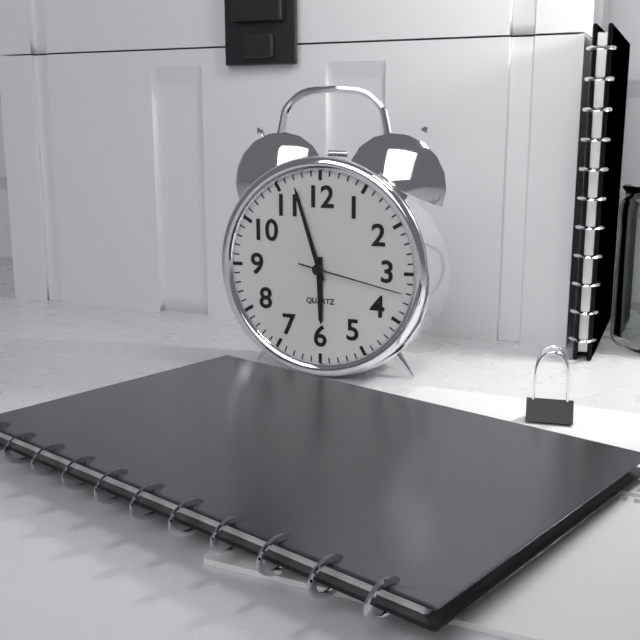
5:57:17
